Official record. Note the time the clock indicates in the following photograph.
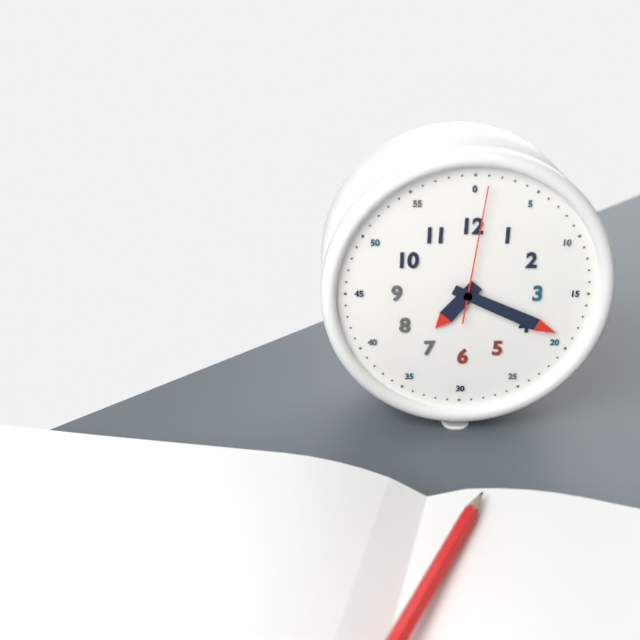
7:19:01
